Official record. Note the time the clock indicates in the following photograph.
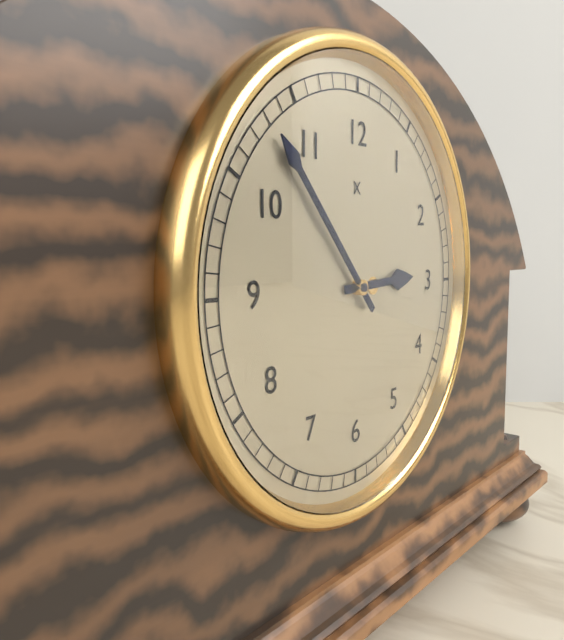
2:53
